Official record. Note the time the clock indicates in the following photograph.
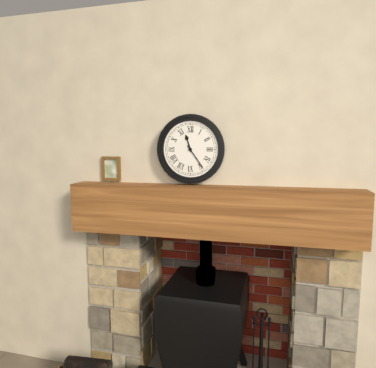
11:24
